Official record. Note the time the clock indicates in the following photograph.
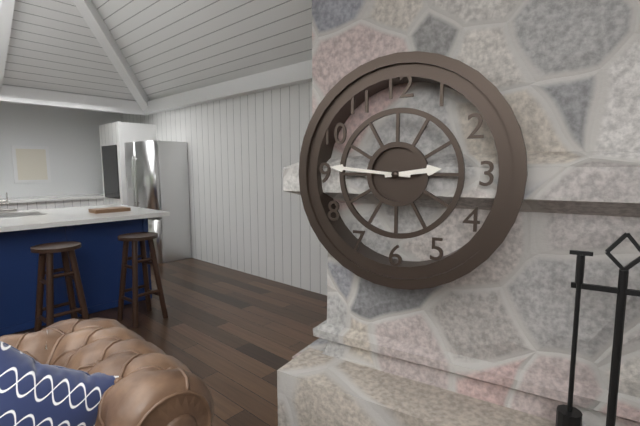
2:46
